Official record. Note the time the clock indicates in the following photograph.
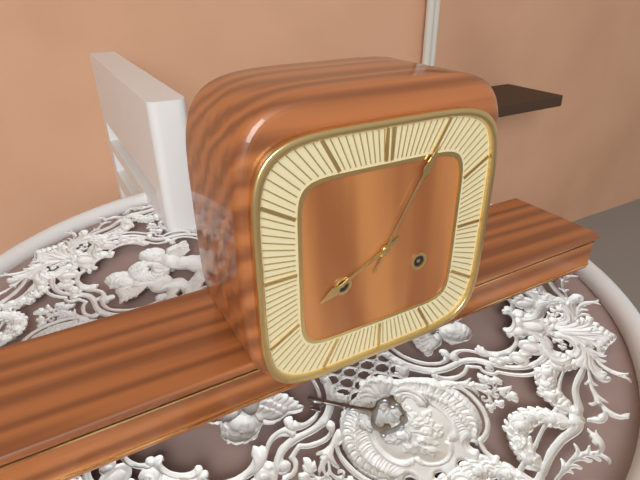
8:05
